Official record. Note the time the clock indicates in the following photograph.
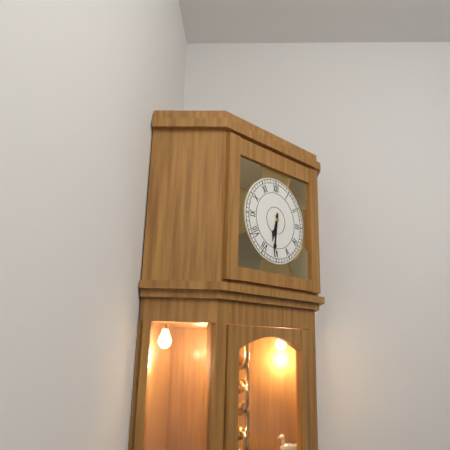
6:31
